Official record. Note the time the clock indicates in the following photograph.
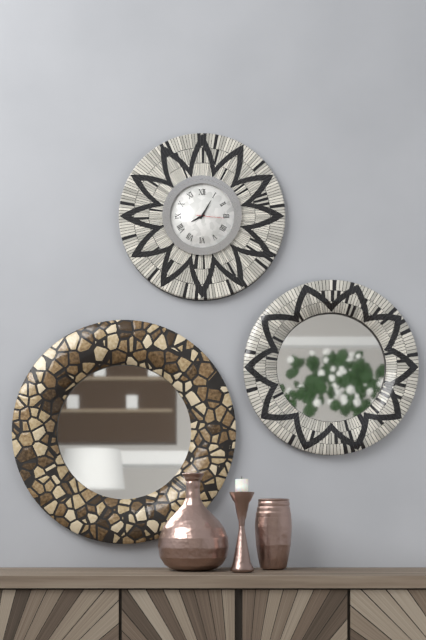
8:05
